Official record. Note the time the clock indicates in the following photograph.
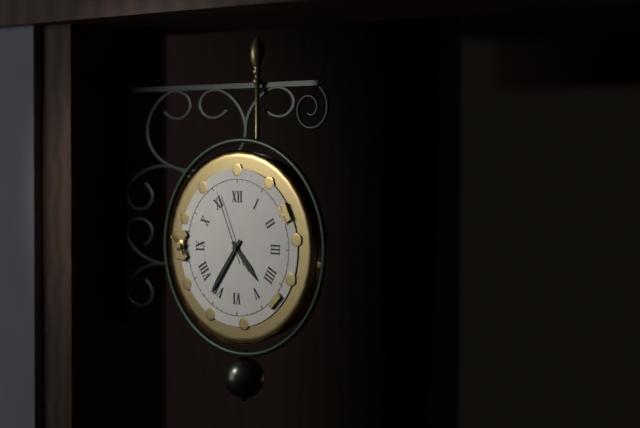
4:36:56
